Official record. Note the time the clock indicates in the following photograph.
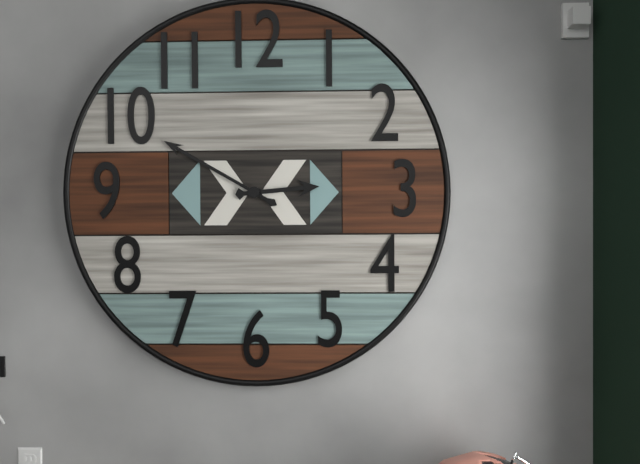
2:50
